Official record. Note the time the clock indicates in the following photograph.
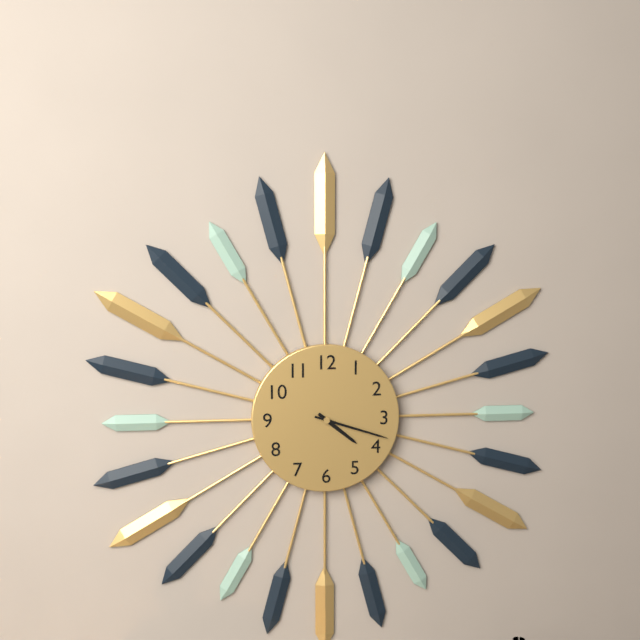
4:18
